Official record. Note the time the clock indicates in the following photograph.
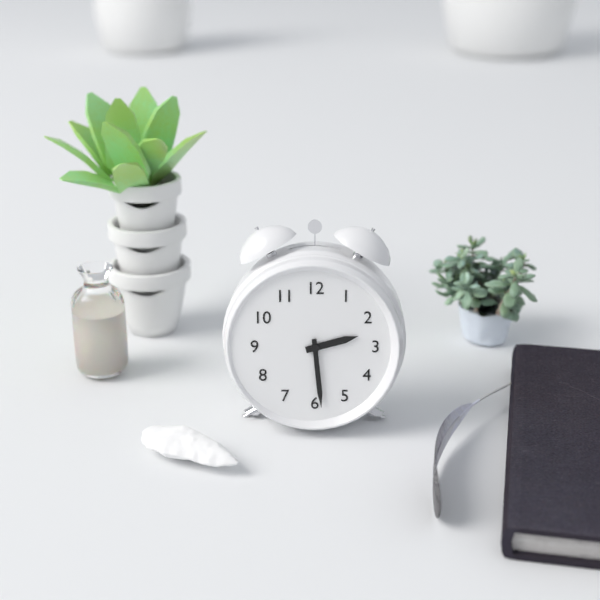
2:29
